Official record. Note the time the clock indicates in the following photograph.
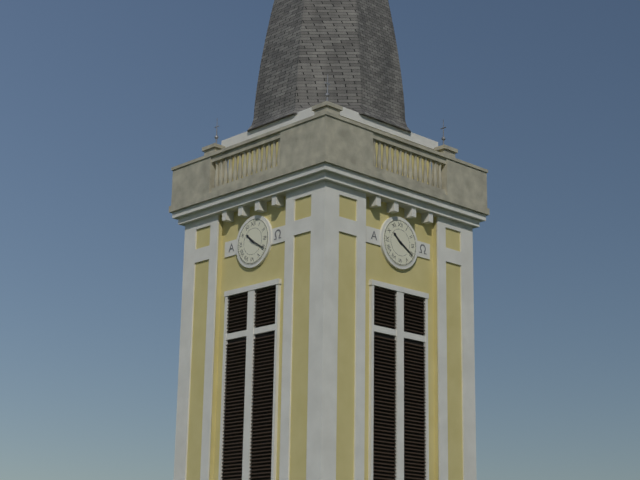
10:20
